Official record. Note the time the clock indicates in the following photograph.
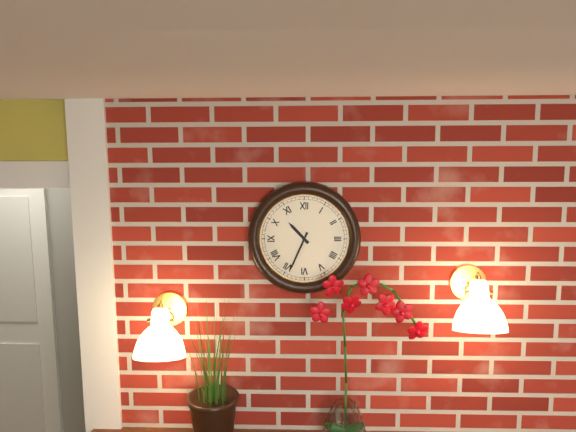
10:34
